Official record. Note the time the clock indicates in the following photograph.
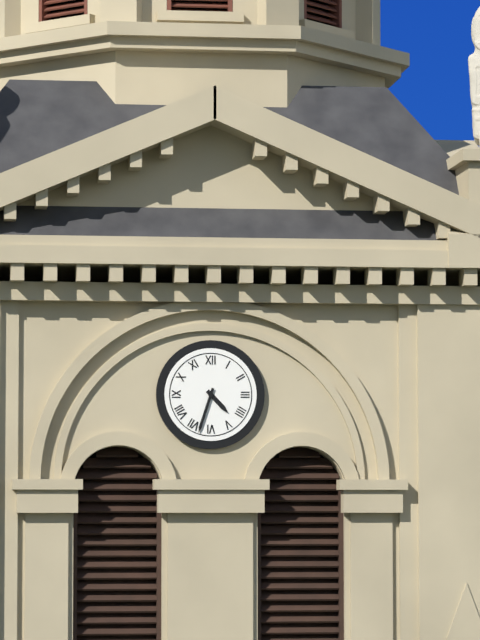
4:33
